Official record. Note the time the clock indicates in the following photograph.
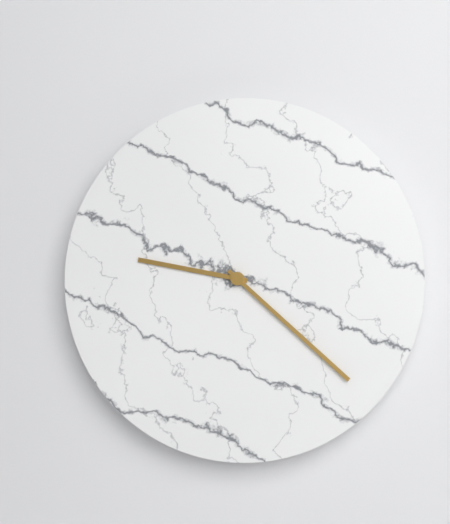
9:22
